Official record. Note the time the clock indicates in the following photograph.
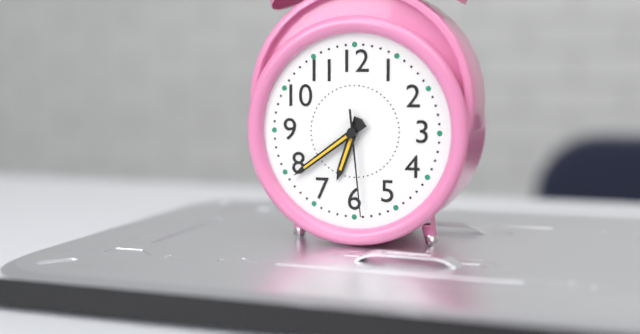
6:39:29
